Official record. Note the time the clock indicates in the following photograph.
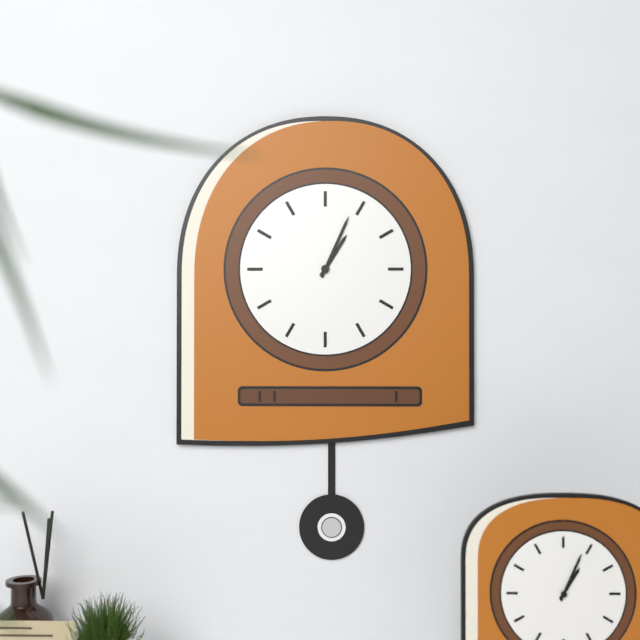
1:04
